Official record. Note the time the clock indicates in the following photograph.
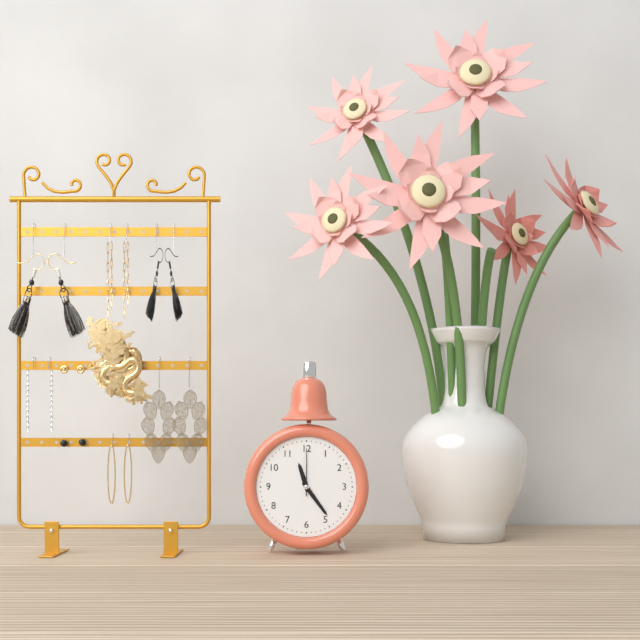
11:24
